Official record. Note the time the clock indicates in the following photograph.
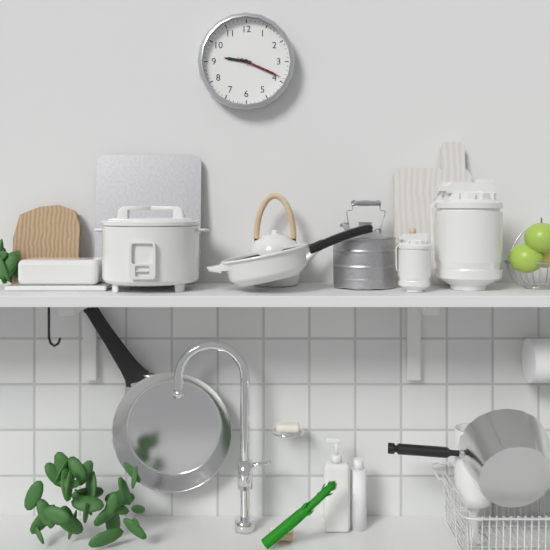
9:19
